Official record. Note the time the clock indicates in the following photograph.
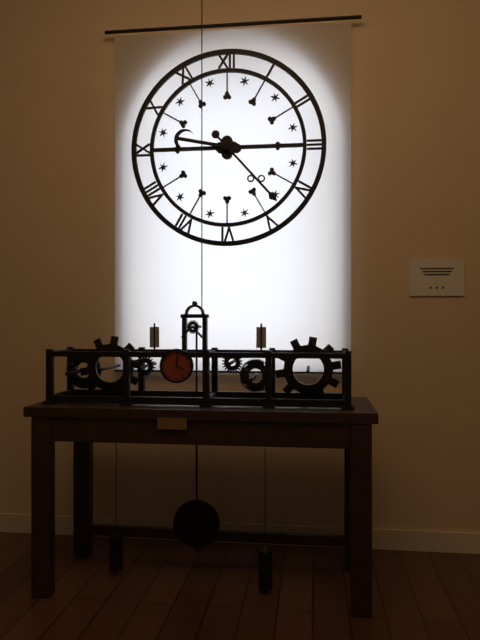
9:23
